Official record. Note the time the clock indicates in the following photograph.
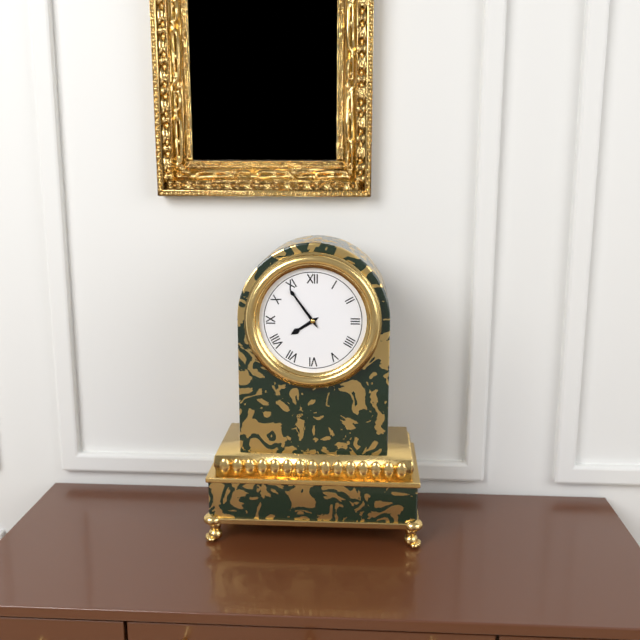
7:54
